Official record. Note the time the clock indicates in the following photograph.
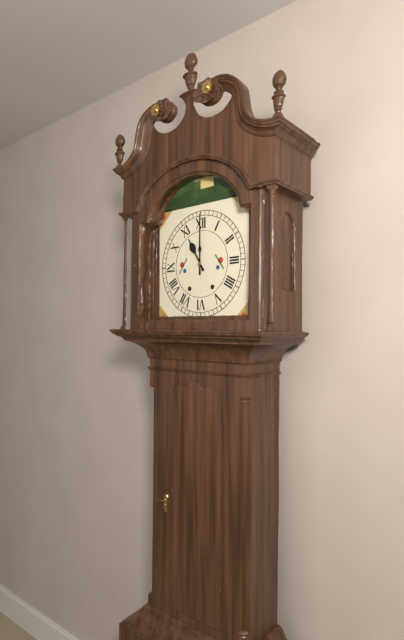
11:00
